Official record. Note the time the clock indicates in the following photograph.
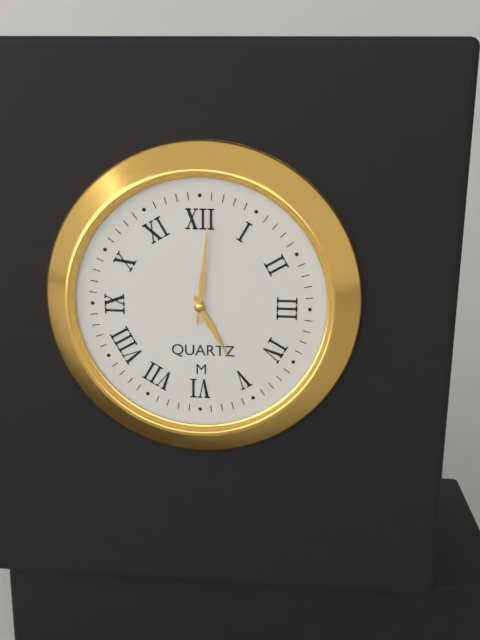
5:01
